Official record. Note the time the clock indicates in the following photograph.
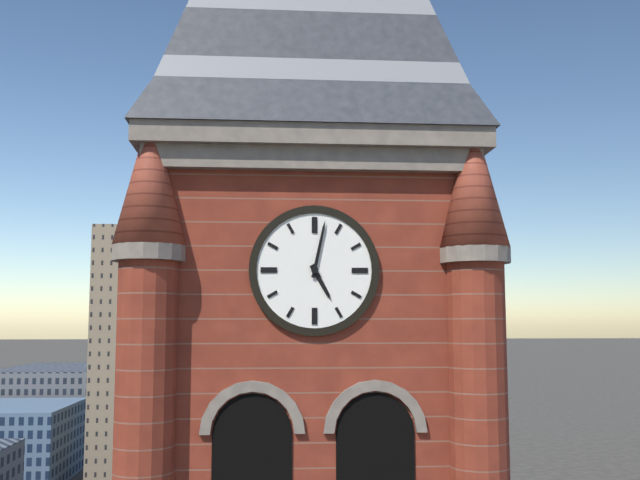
5:02
